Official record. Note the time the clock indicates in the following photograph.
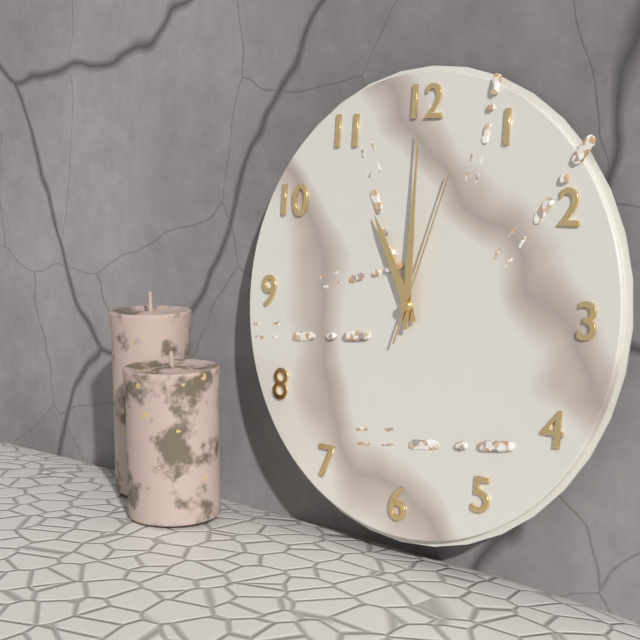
11:00:03
